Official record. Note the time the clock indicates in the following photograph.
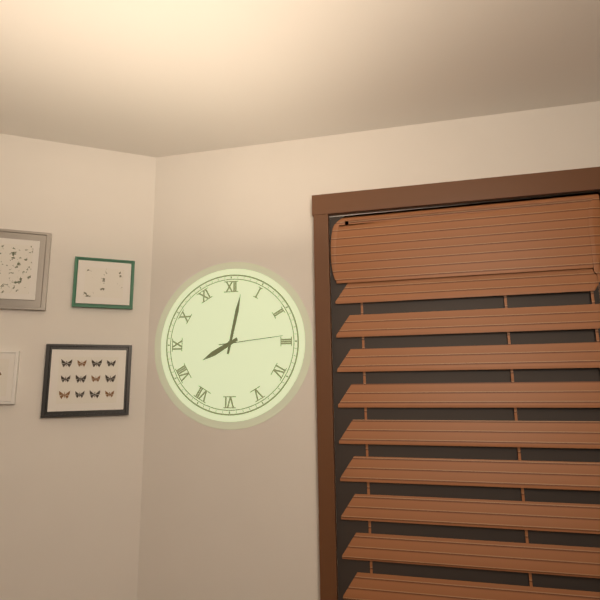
8:02:14
